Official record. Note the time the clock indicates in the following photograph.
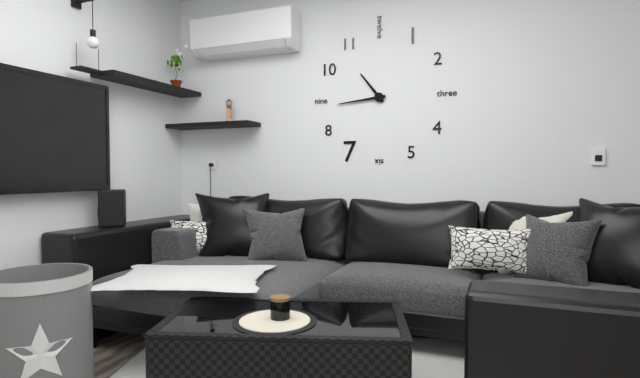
10:44
